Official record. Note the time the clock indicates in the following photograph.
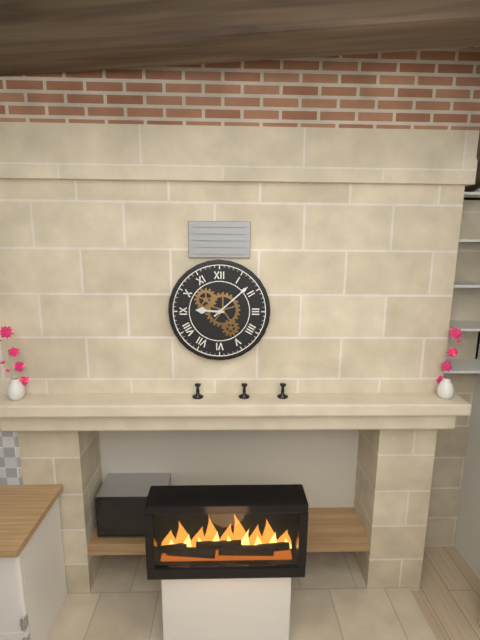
9:08
